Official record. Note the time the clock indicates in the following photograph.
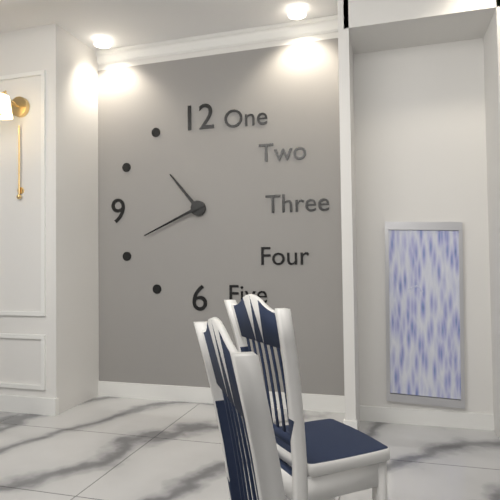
10:41
